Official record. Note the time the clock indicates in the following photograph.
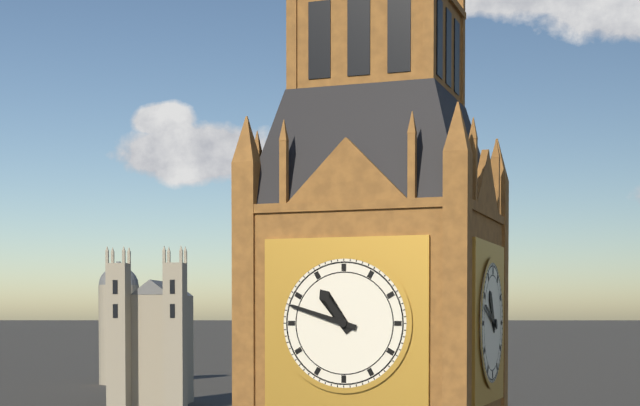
10:48
